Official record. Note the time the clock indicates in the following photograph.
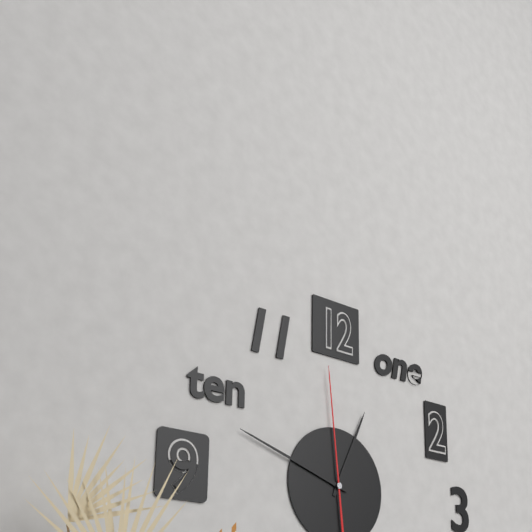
12:48:59
